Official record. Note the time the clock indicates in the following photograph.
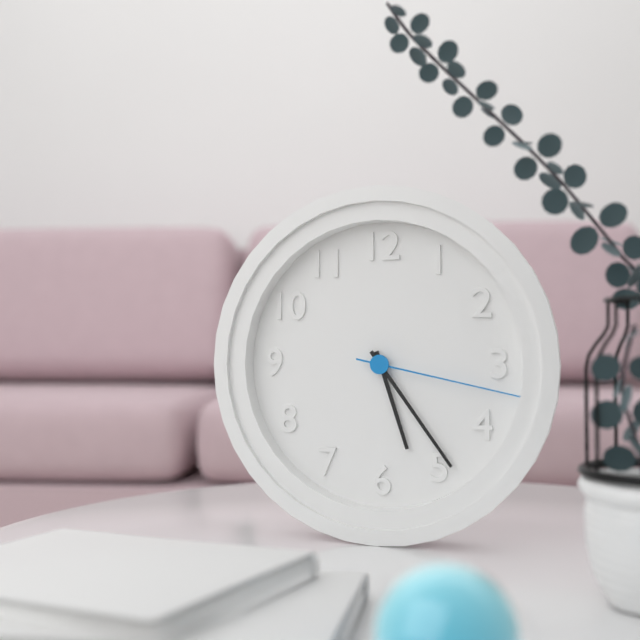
5:24:17
